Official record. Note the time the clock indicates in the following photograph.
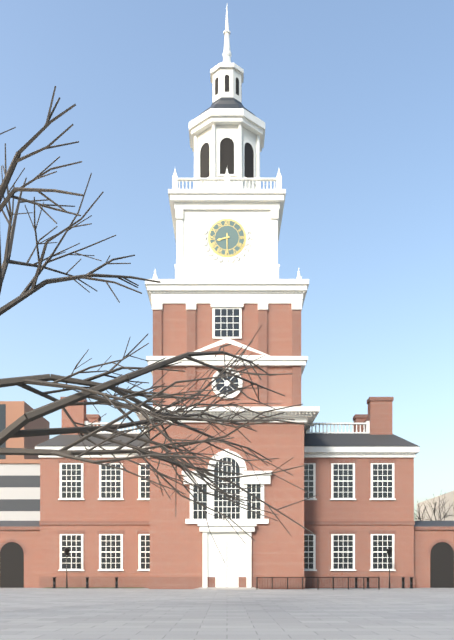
8:30
